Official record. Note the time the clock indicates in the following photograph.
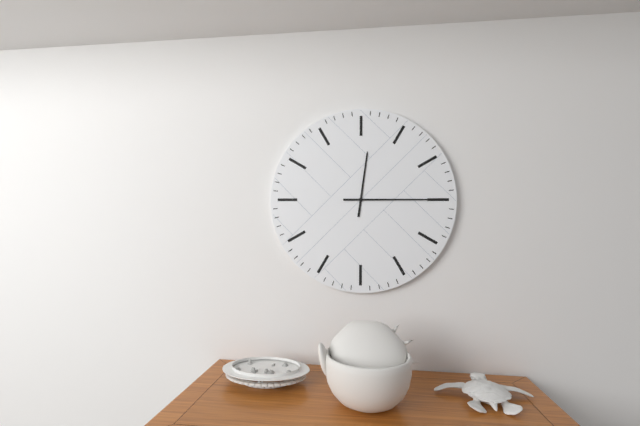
12:15
